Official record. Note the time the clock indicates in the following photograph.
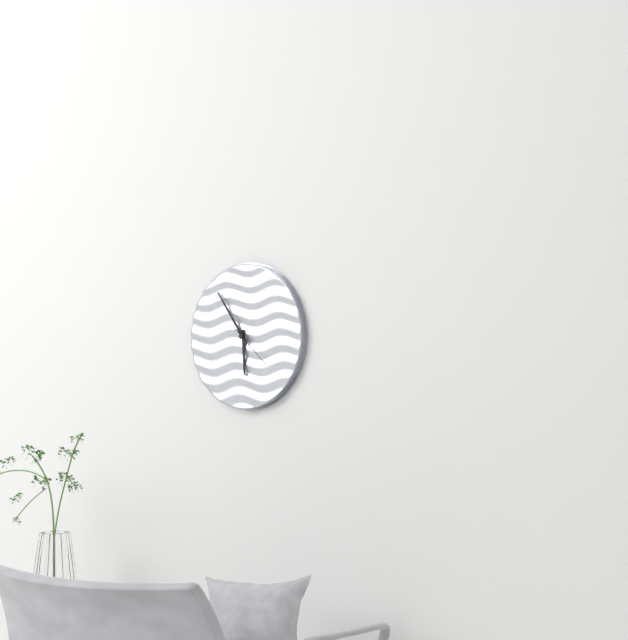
5:54
